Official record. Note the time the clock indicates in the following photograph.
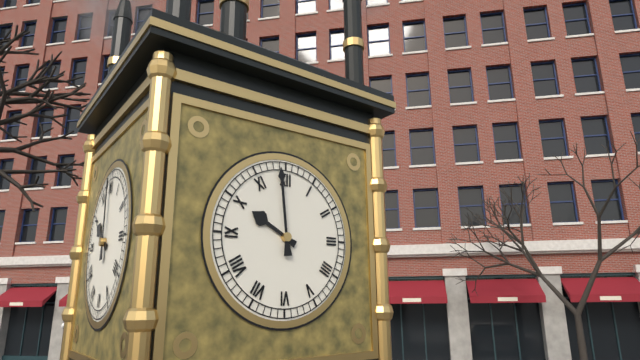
9:59
